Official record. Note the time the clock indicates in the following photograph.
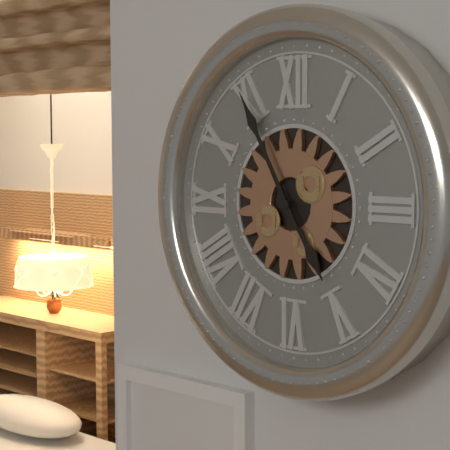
4:55
